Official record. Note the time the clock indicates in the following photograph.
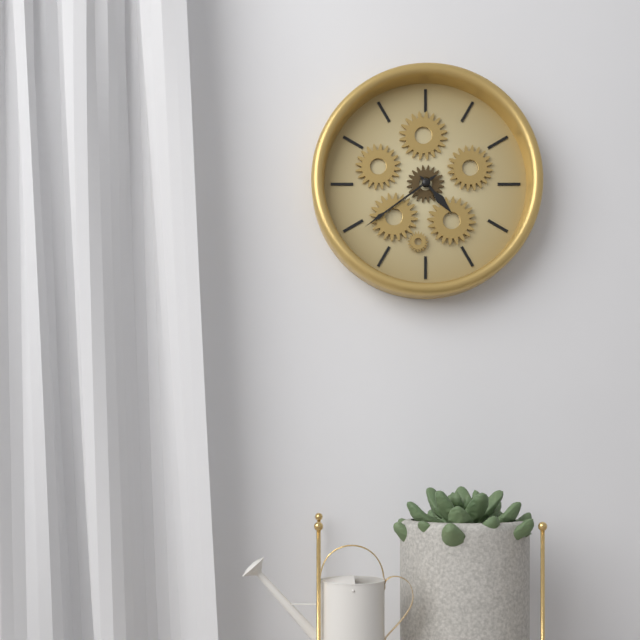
4:39
